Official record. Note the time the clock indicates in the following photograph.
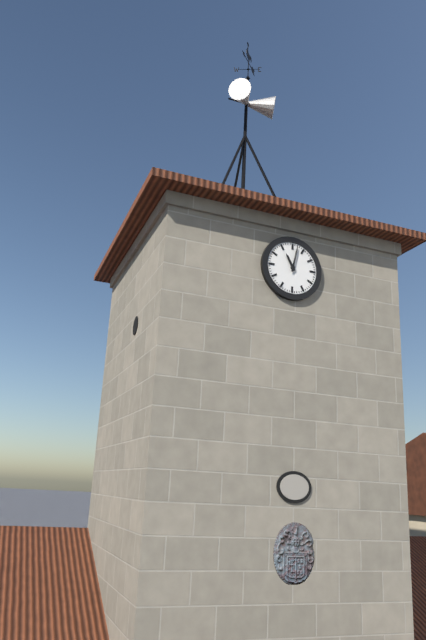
11:02
